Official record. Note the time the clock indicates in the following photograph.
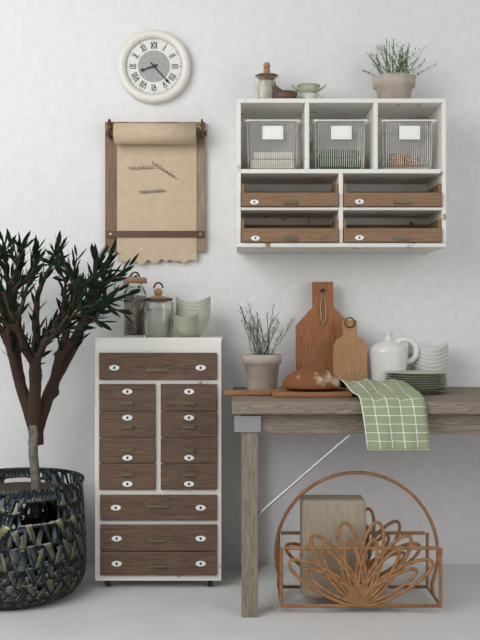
8:23
